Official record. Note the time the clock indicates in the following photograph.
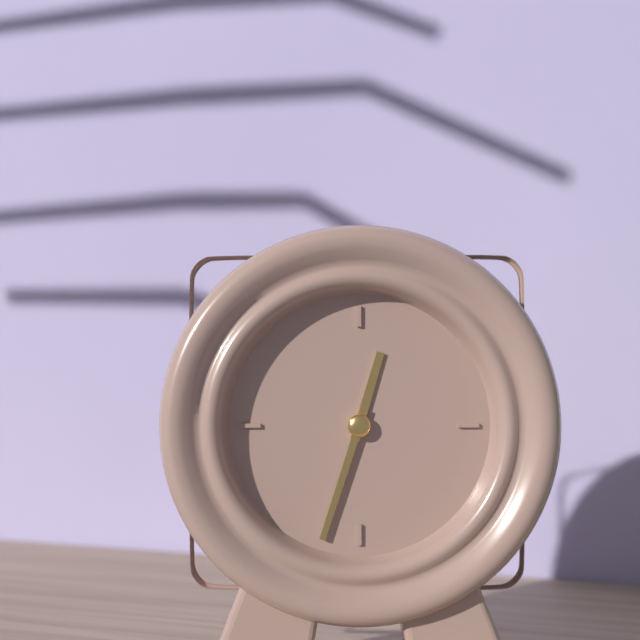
12:33
